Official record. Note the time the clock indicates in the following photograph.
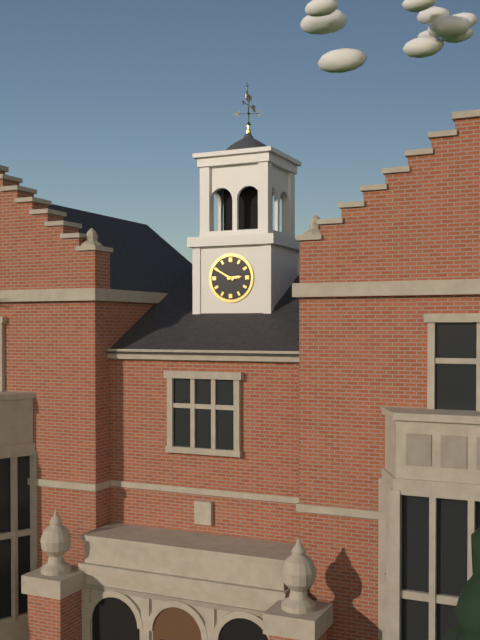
2:50
